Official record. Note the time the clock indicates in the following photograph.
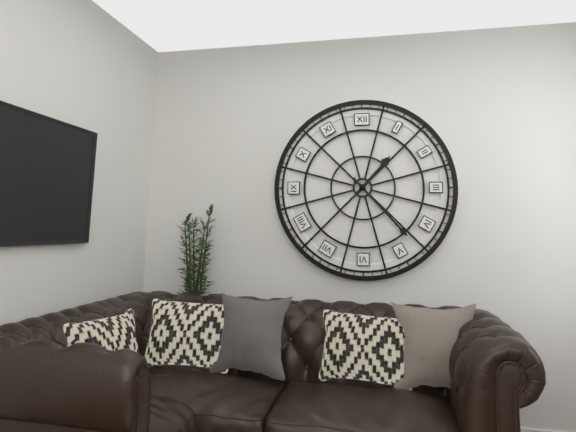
1:23
